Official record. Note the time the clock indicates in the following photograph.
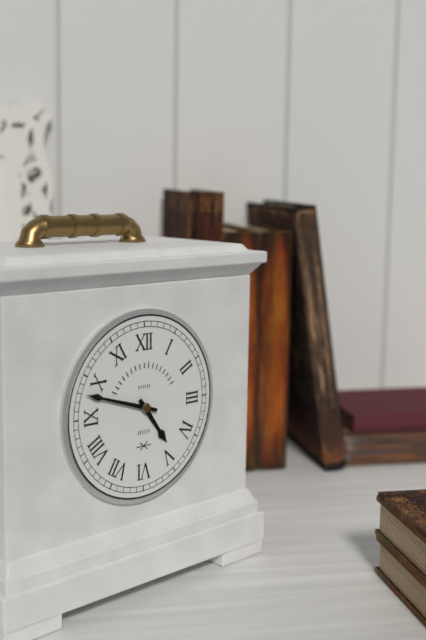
4:48
